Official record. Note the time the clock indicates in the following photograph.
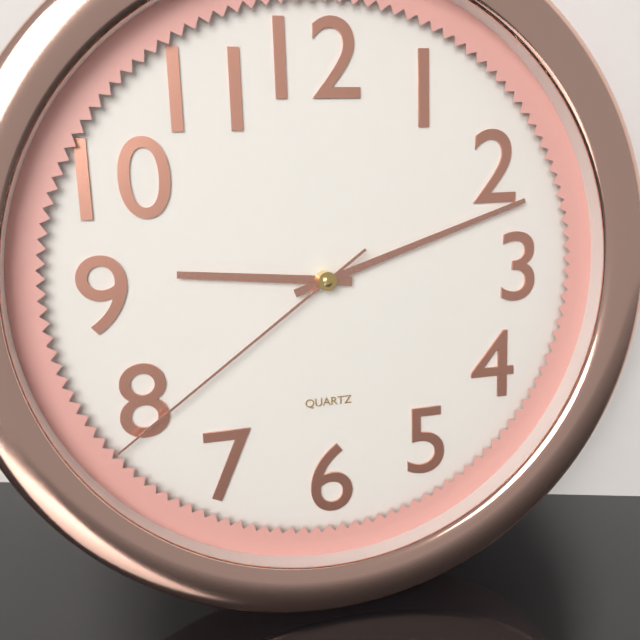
9:12:39
